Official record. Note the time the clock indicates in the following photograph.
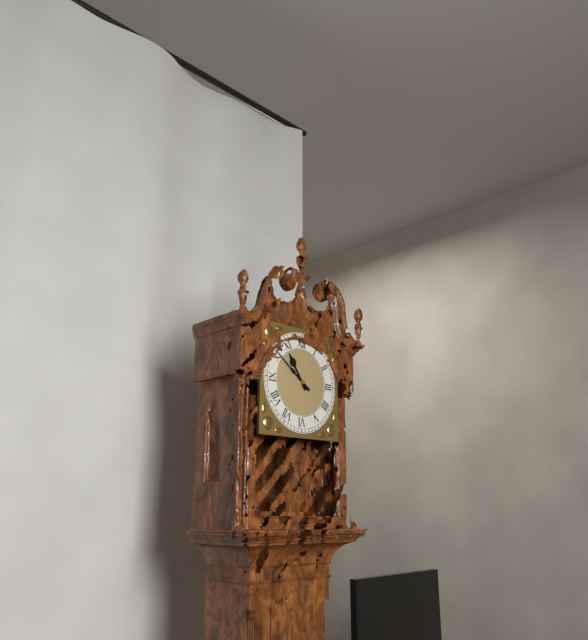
10:51
